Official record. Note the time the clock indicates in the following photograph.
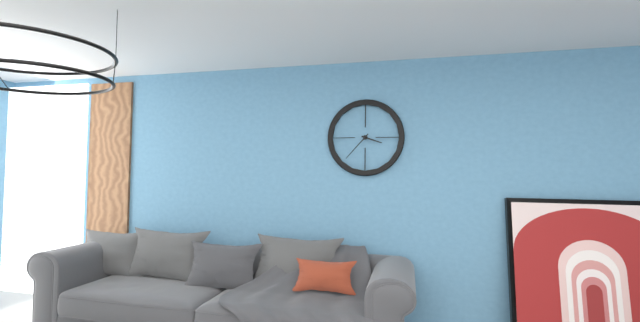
3:37
